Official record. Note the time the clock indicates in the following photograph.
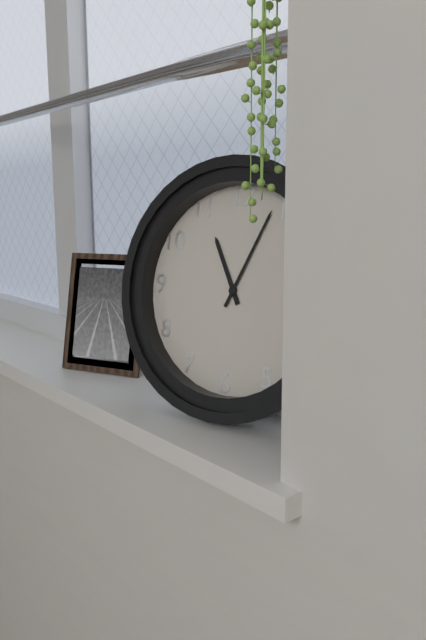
11:04
